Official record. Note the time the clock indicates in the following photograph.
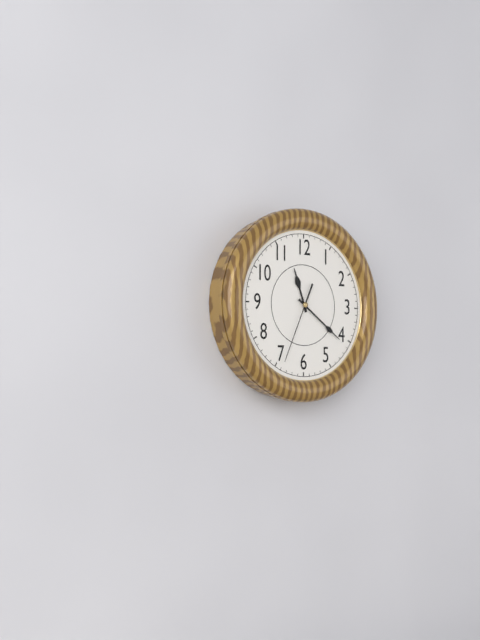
11:21:34
